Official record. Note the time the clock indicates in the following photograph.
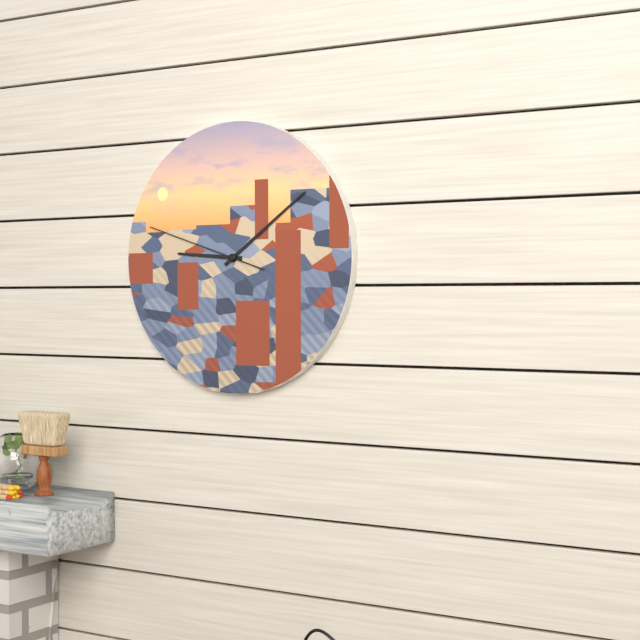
9:09:48
